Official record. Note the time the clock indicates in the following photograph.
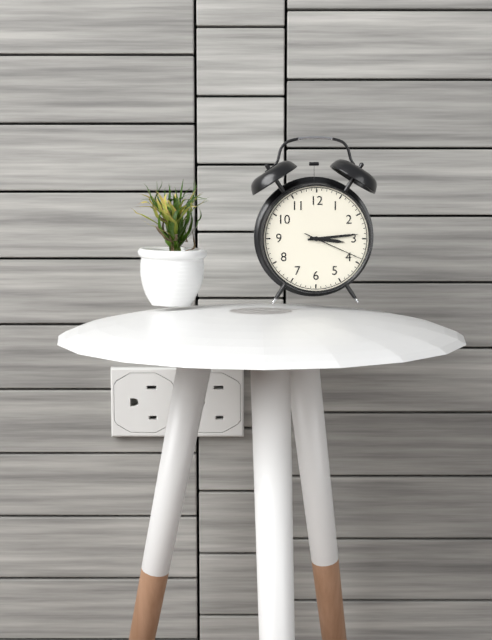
3:14:19
